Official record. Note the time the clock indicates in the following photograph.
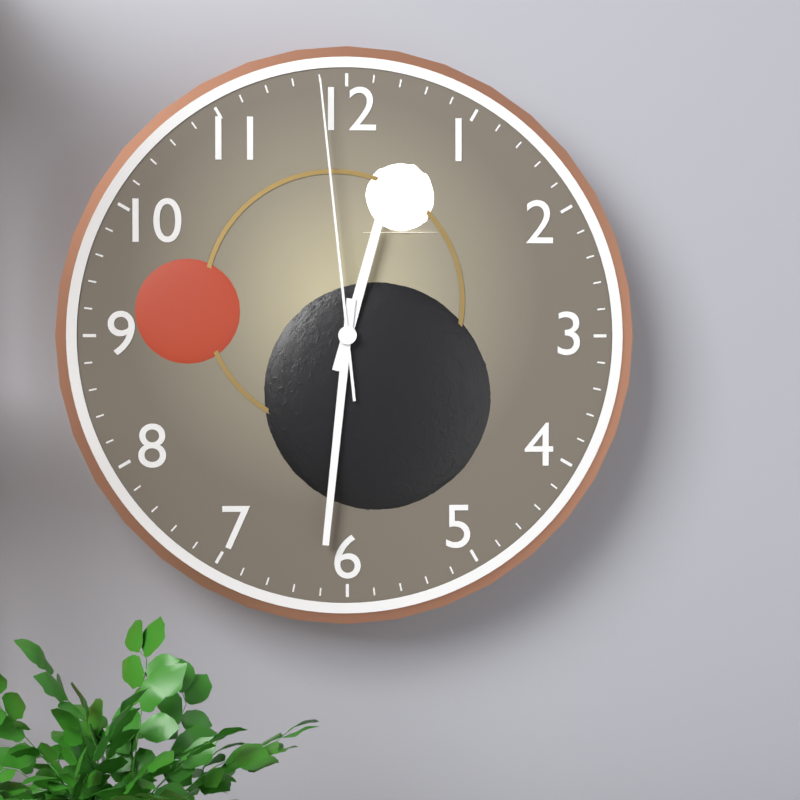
12:31:59
